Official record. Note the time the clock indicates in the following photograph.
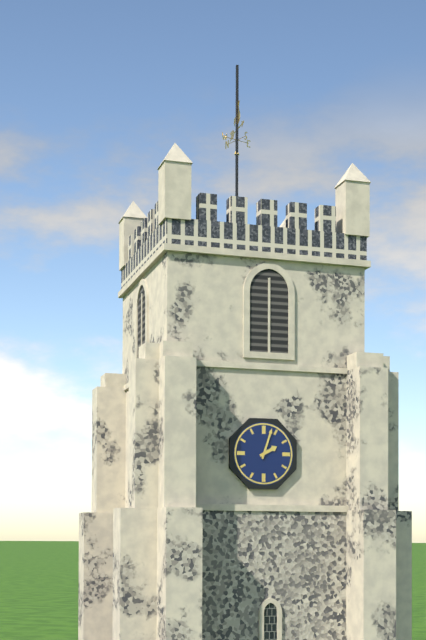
2:03
